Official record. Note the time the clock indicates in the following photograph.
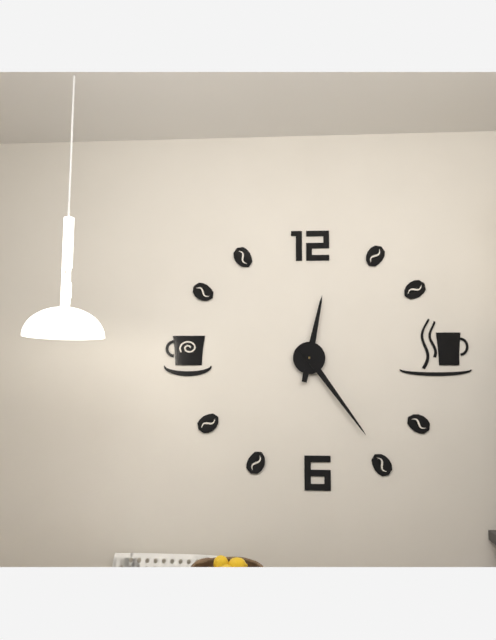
12:24
